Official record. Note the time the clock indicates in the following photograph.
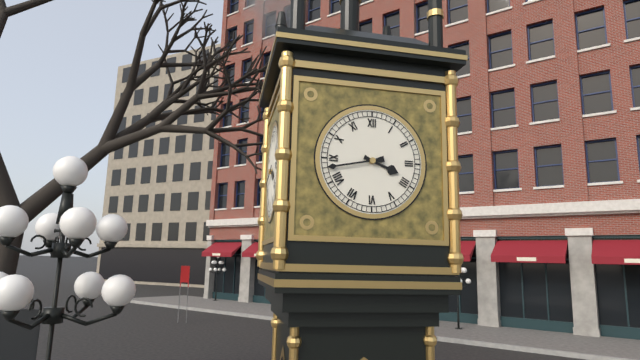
3:43
